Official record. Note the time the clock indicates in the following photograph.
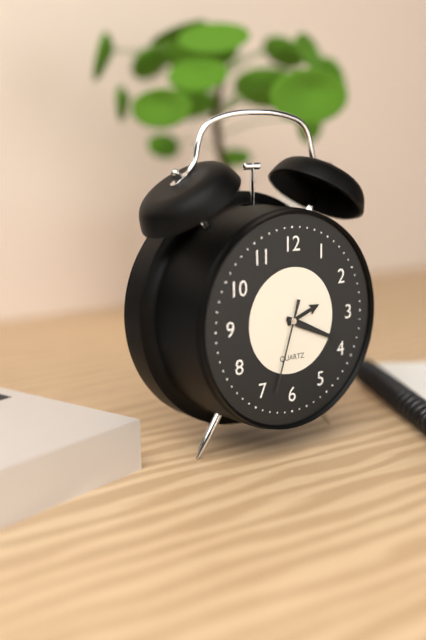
2:19:33
